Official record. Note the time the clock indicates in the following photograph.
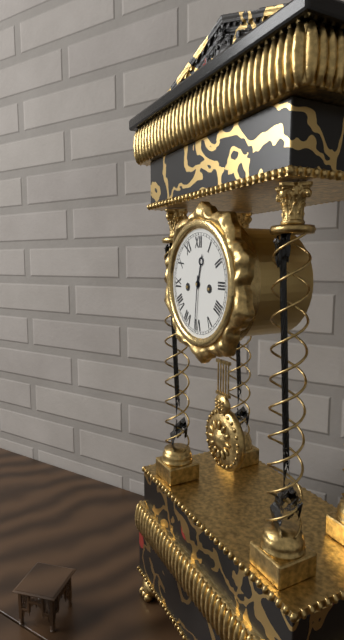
12:31
